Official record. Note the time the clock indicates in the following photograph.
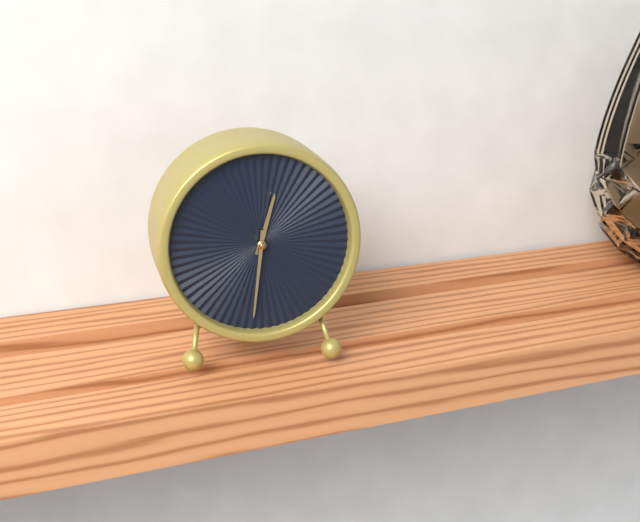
12:31
